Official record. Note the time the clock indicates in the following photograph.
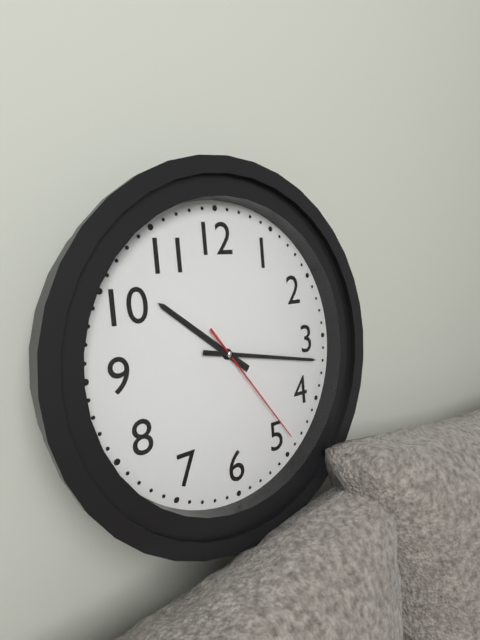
10:17:24
